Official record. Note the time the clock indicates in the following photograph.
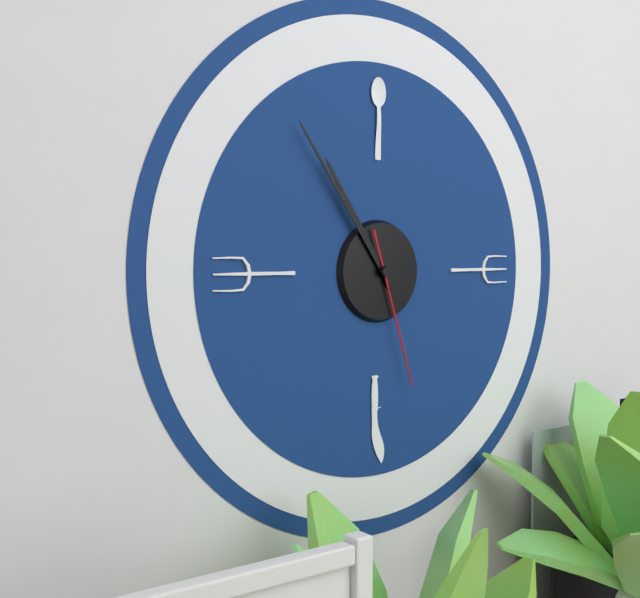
10:54:27
